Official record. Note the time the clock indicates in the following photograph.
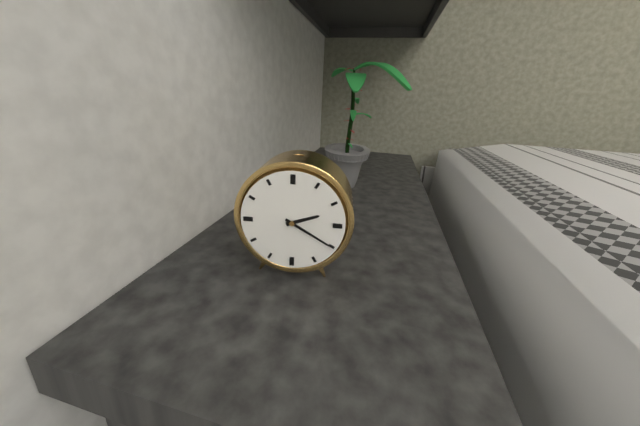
2:20
